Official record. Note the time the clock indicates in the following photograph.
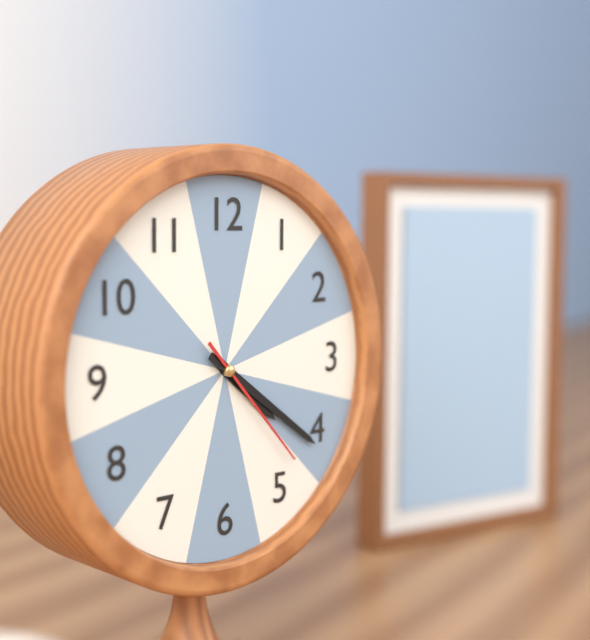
4:21:23
